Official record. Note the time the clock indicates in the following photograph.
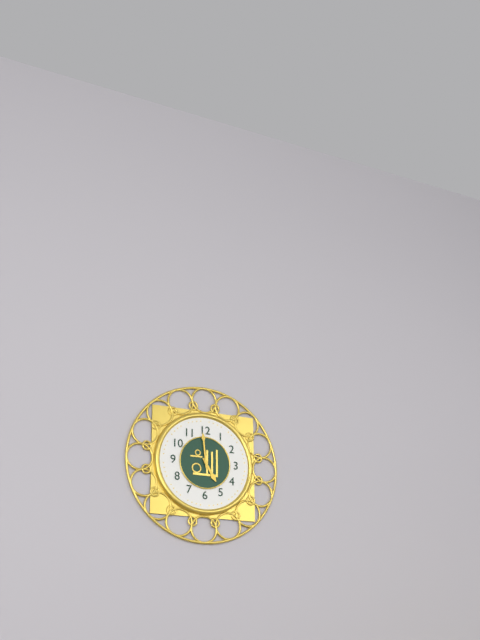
4:59
